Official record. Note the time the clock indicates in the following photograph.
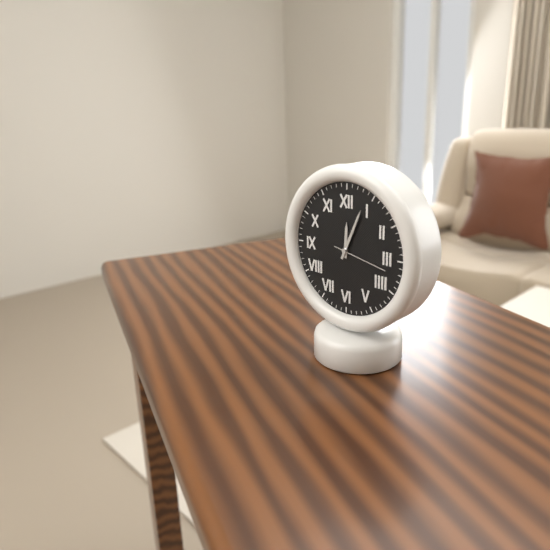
12:04:17
